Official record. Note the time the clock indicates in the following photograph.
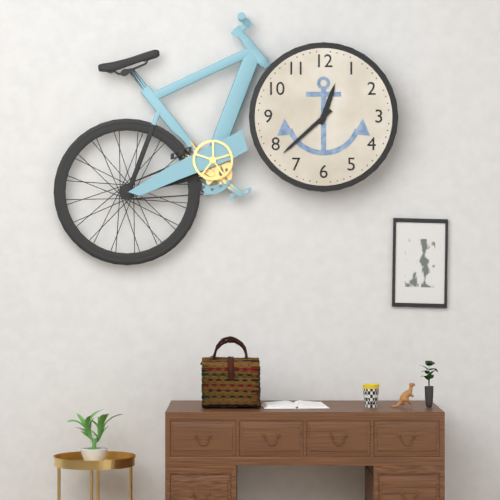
12:38
